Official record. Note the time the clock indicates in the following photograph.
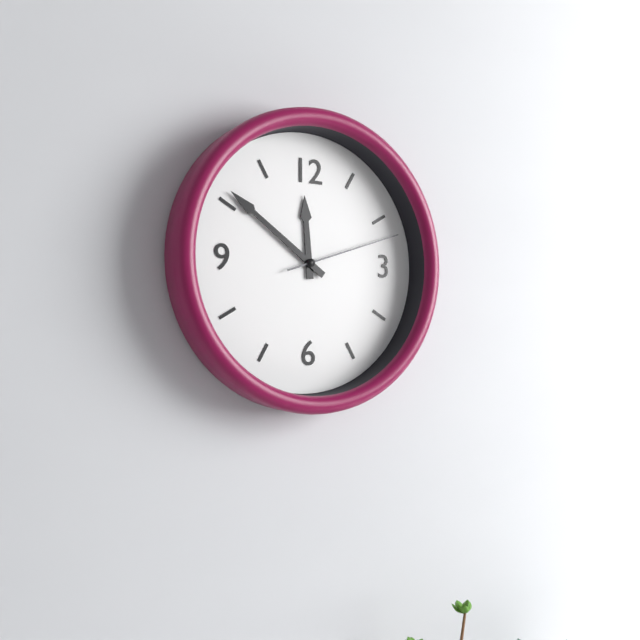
11:51:12
